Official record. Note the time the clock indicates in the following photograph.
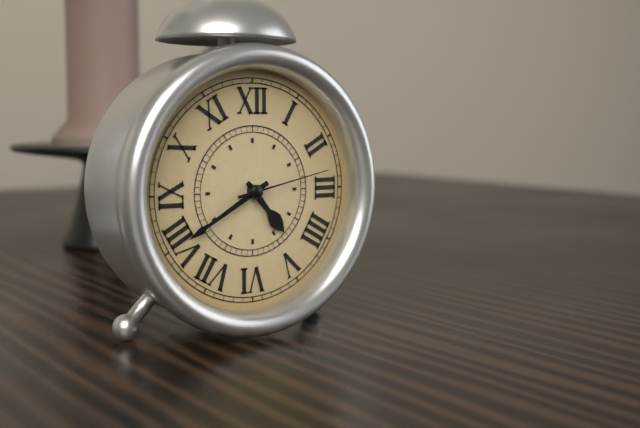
4:40:13
